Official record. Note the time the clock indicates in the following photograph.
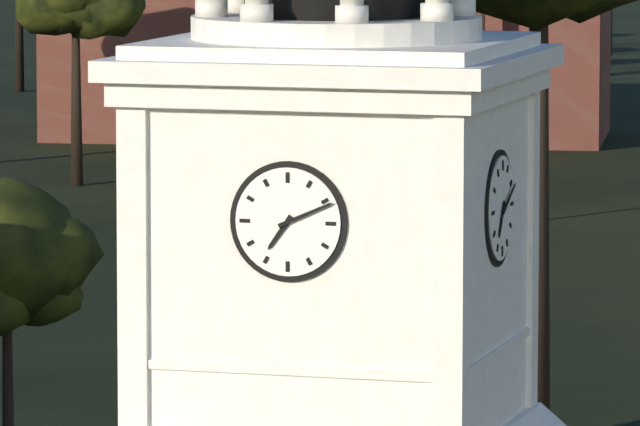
7:11
